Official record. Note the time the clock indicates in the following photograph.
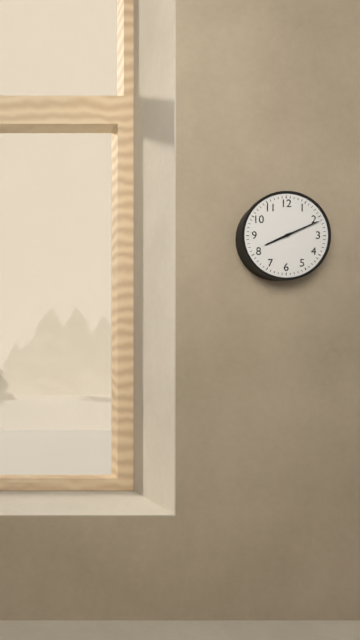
8:11
